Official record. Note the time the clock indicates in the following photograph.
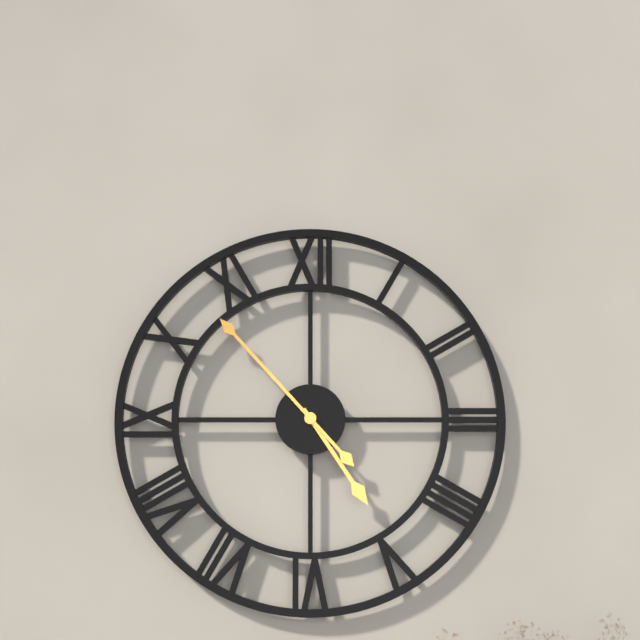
4:53
